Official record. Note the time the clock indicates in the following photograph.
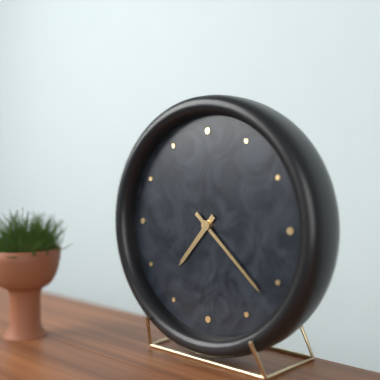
7:22
